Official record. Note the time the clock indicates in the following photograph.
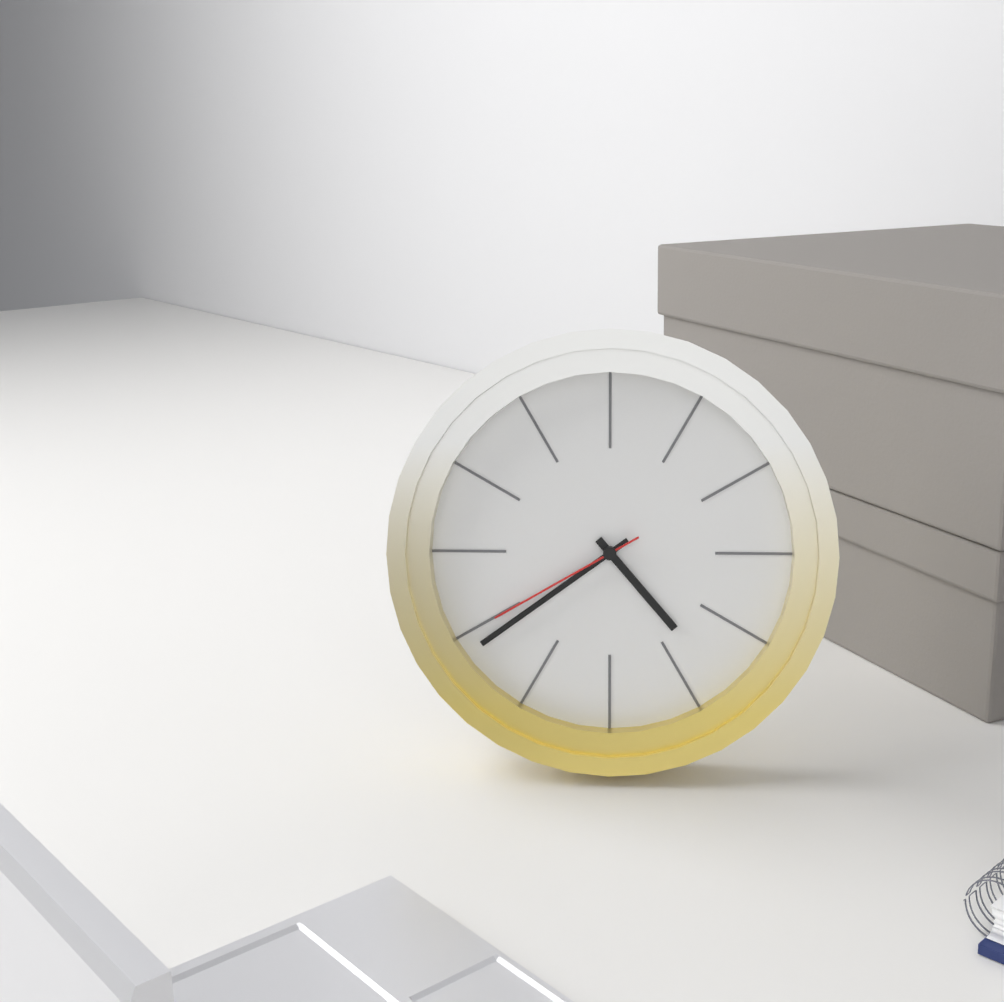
4:39:40
